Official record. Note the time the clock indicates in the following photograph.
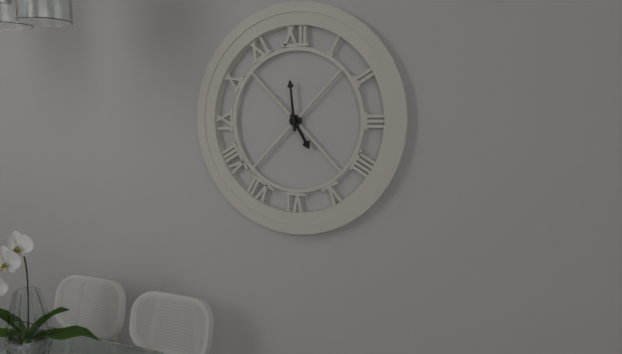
4:59
